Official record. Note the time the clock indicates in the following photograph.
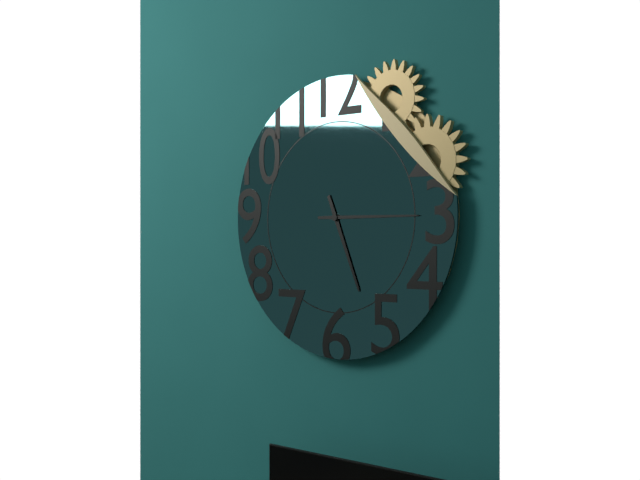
5:15
